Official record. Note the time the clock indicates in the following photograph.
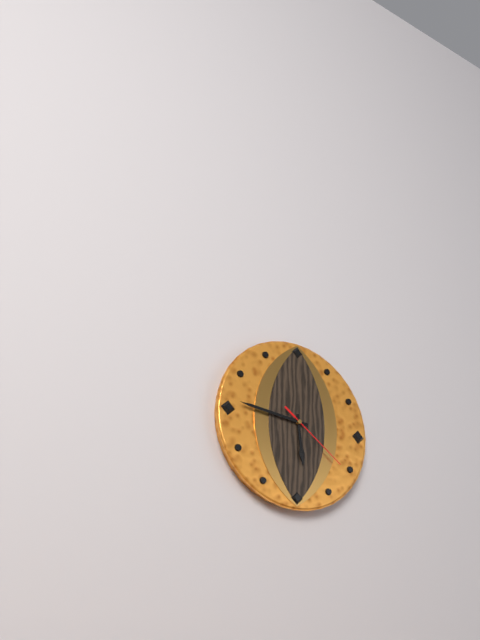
5:46:21
